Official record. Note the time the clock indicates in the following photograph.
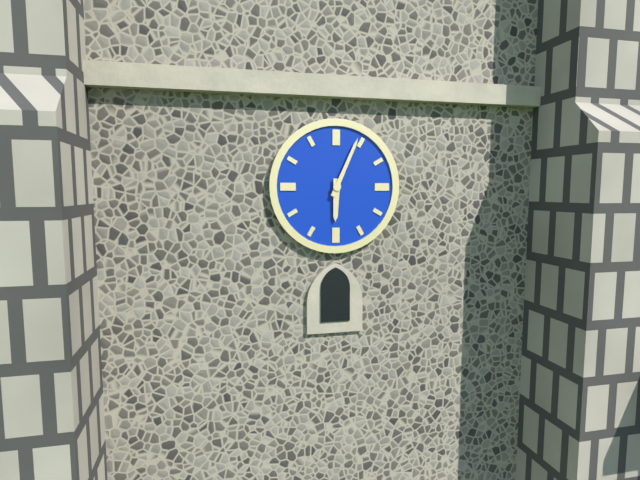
6:04
